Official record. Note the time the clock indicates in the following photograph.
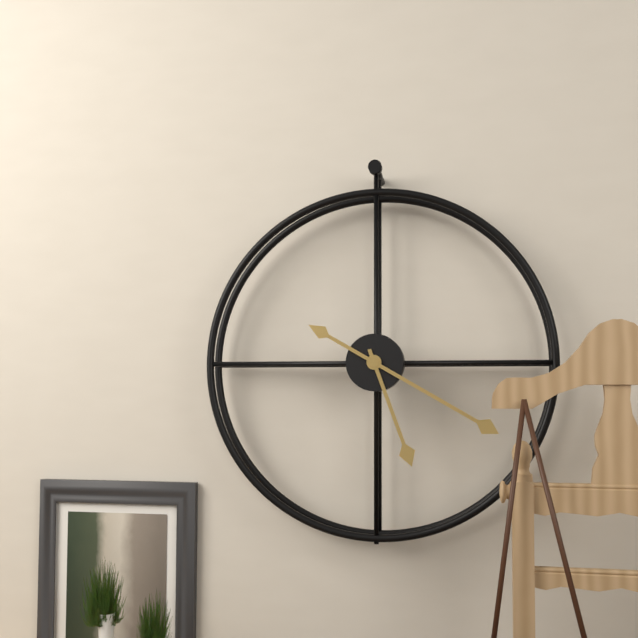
5:20
